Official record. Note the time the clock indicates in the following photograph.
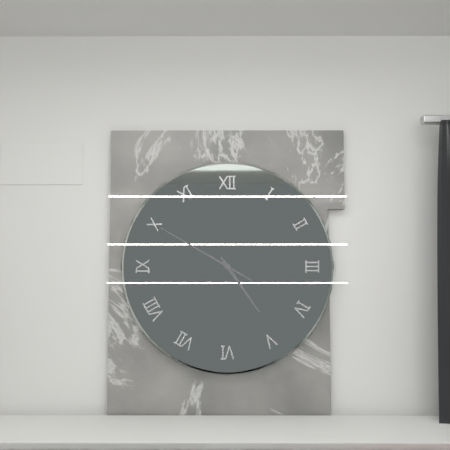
4:50
